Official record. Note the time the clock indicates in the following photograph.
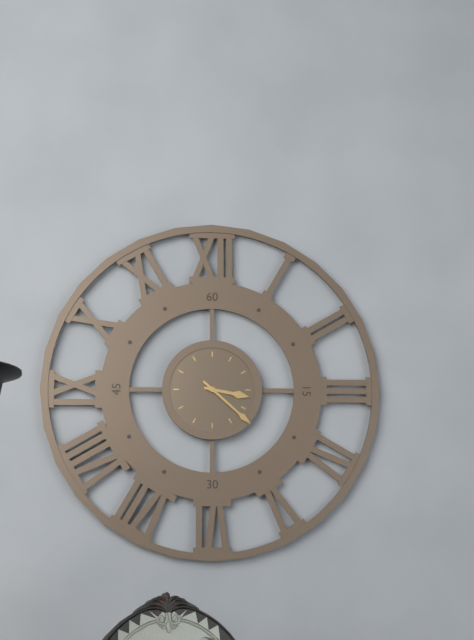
3:22
